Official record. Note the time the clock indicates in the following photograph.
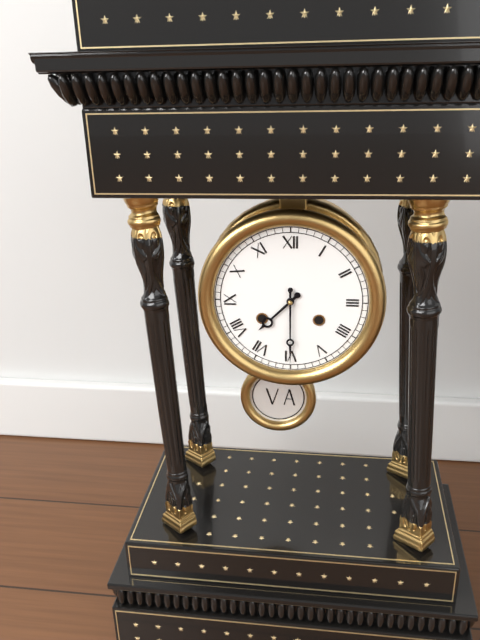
7:30
